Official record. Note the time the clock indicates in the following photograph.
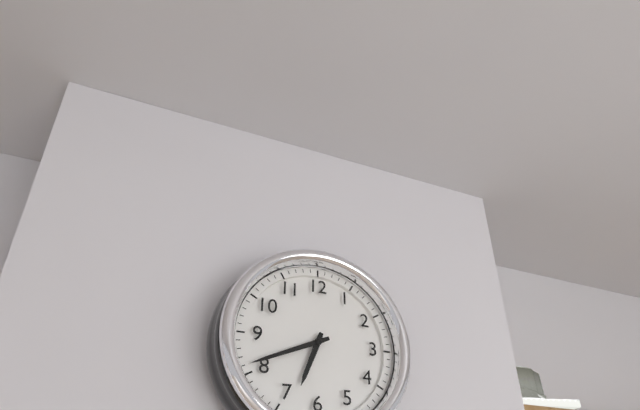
6:41
